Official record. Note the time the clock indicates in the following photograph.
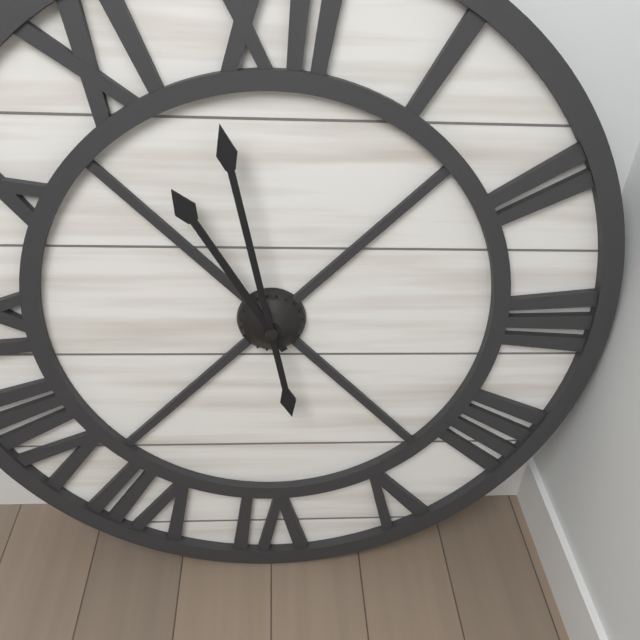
10:58
